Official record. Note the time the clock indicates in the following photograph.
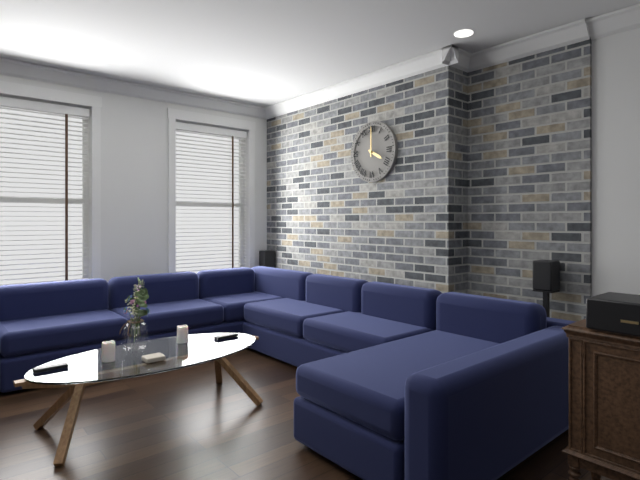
4:00
